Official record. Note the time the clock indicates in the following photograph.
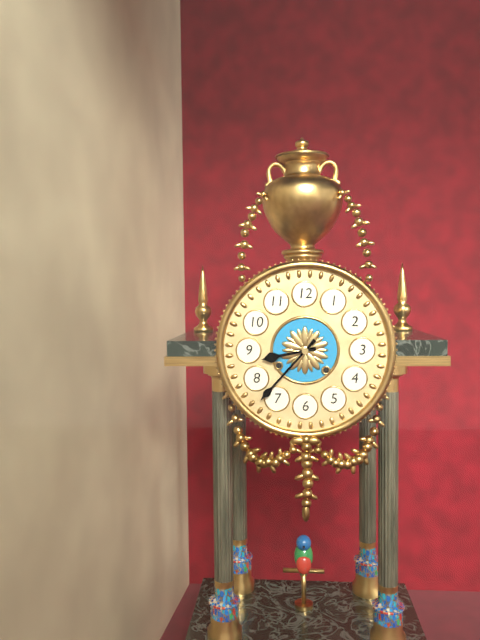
8:37
